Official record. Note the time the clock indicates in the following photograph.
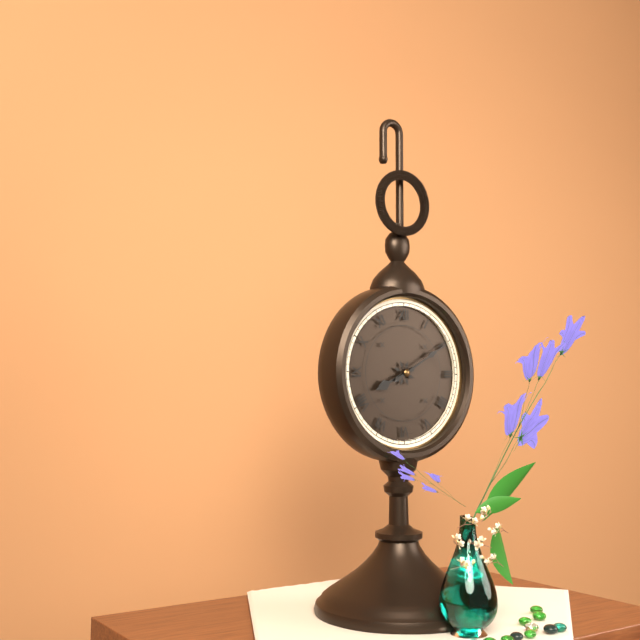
8:10
